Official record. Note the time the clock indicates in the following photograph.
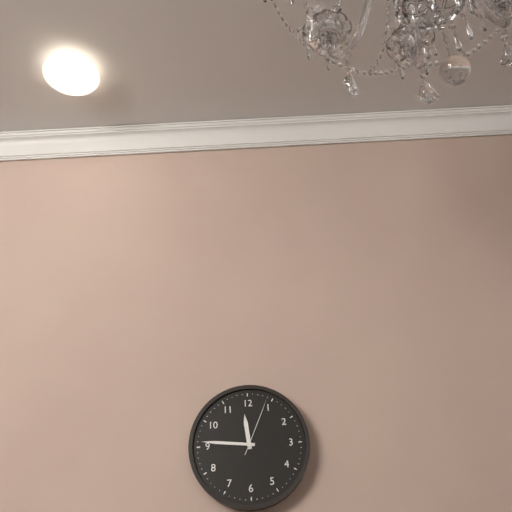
11:46:04
